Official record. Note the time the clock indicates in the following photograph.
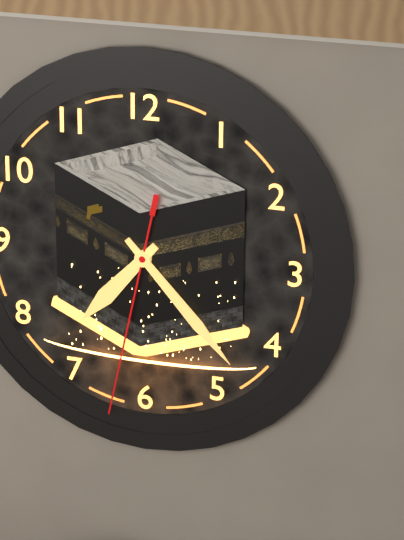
7:23:32
